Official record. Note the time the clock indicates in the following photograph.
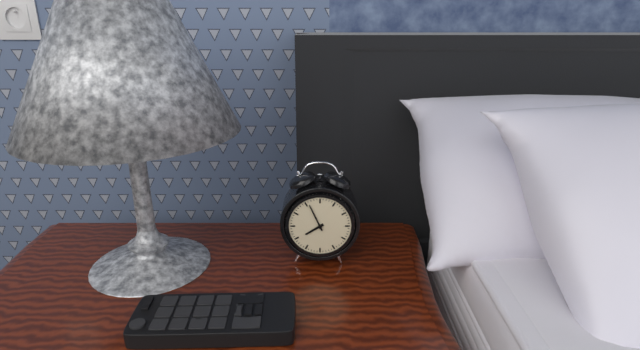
7:56
